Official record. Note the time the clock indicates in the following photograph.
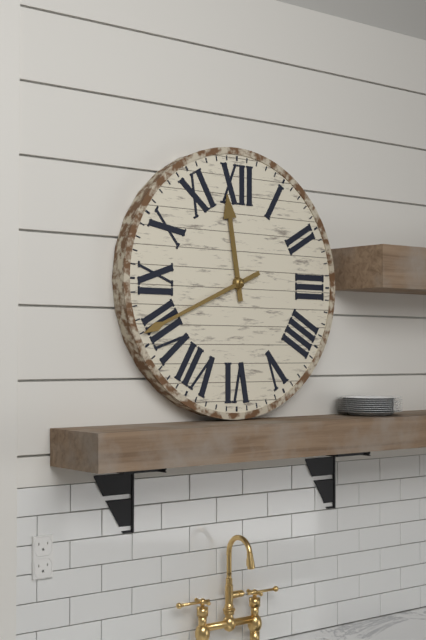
11:41
